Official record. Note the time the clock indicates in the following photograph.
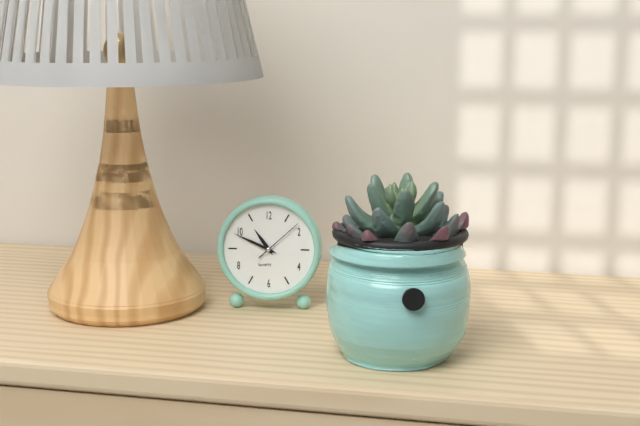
10:49
